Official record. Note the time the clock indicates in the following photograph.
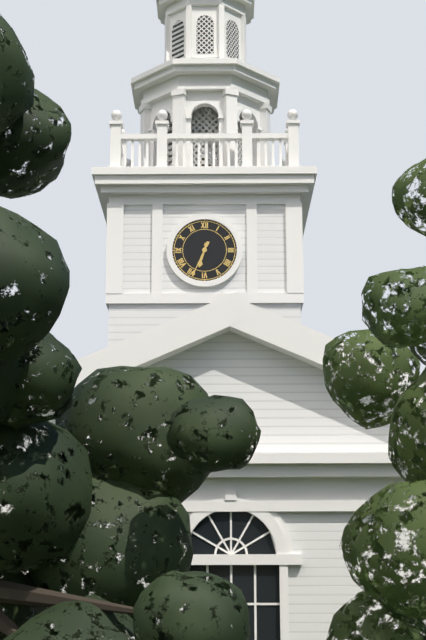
6:34
